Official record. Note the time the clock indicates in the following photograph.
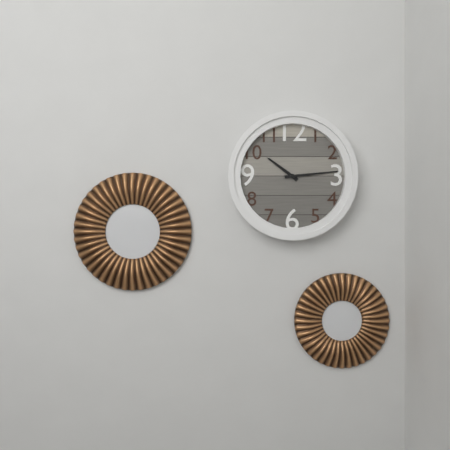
10:14
